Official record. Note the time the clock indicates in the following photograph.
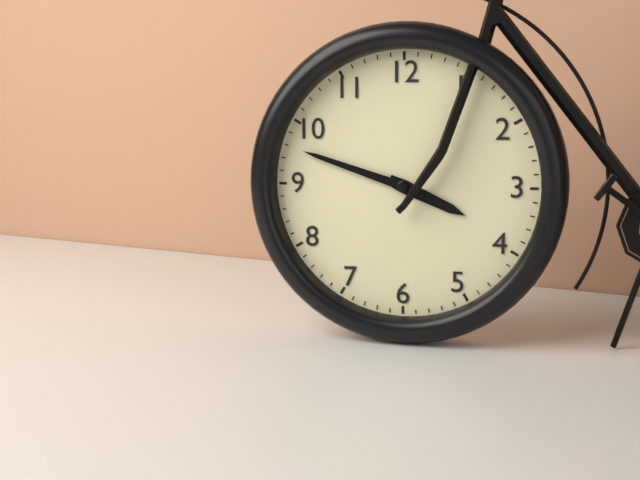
3:48
